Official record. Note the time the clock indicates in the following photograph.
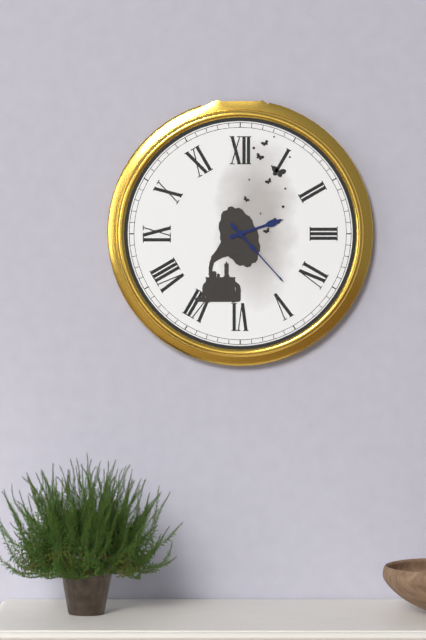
2:23
